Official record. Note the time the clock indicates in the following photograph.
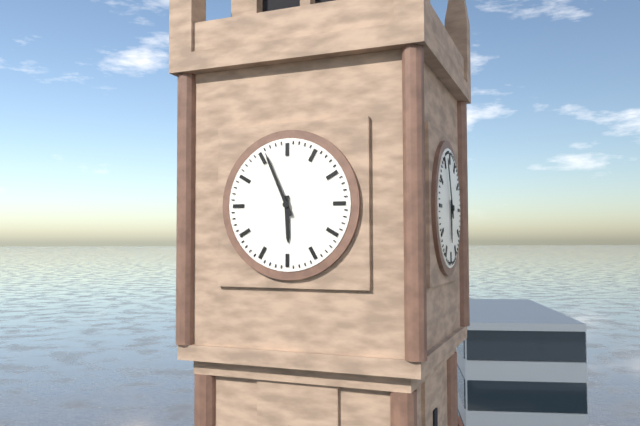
5:56
